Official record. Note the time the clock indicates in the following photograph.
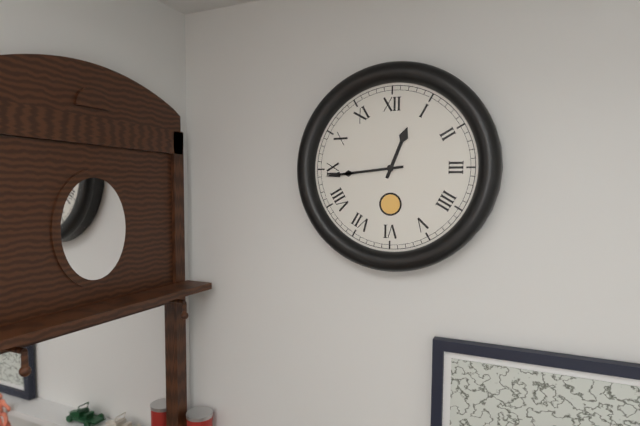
12:44
